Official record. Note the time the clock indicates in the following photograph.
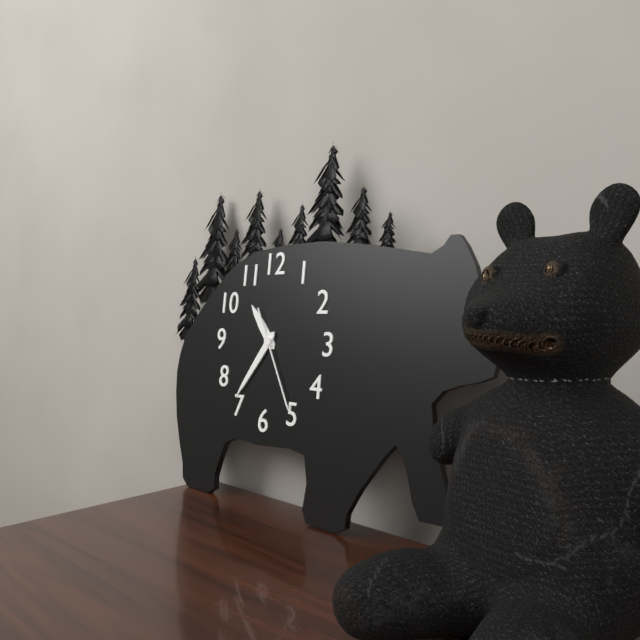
10:36:25
